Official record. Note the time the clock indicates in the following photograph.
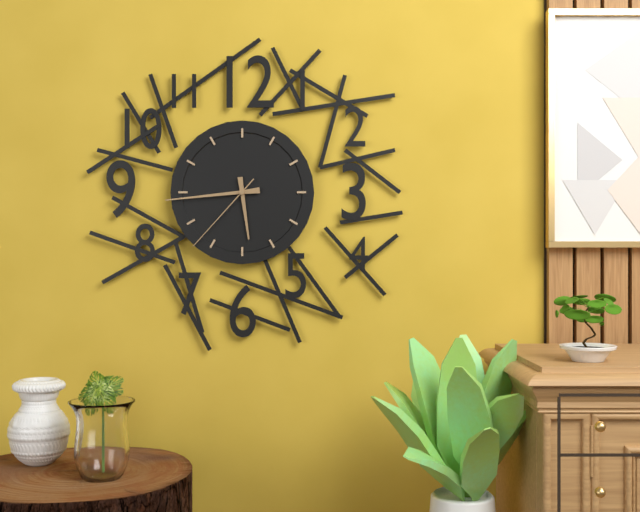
5:44:37
